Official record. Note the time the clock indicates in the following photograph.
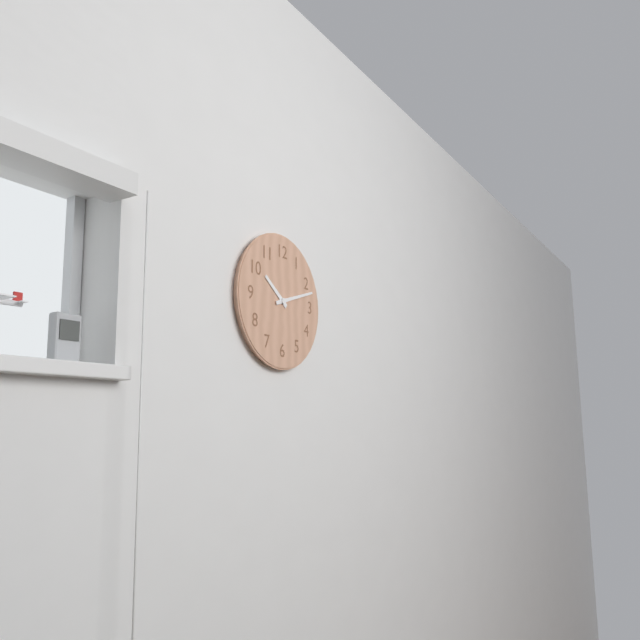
10:12
